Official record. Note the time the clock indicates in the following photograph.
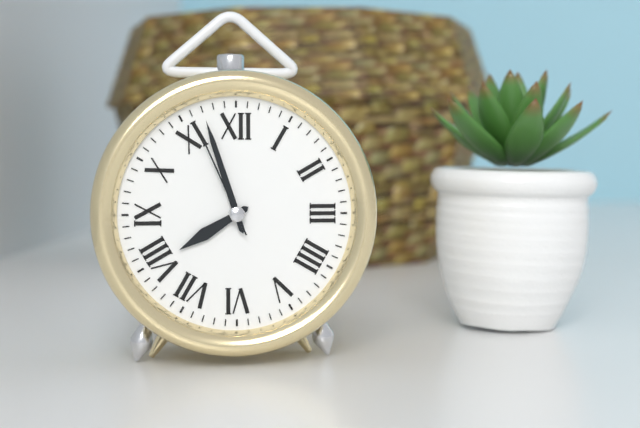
7:57:56
